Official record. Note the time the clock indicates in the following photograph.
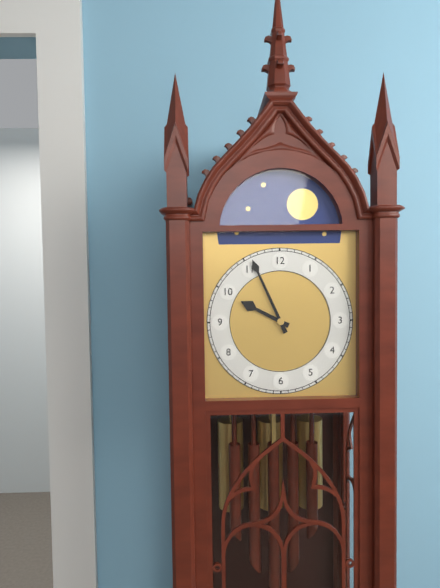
9:56
